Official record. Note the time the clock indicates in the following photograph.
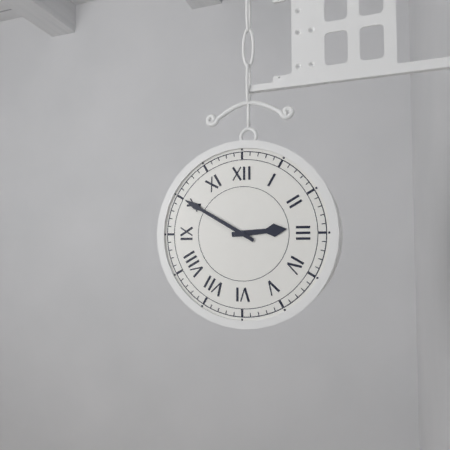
2:50
